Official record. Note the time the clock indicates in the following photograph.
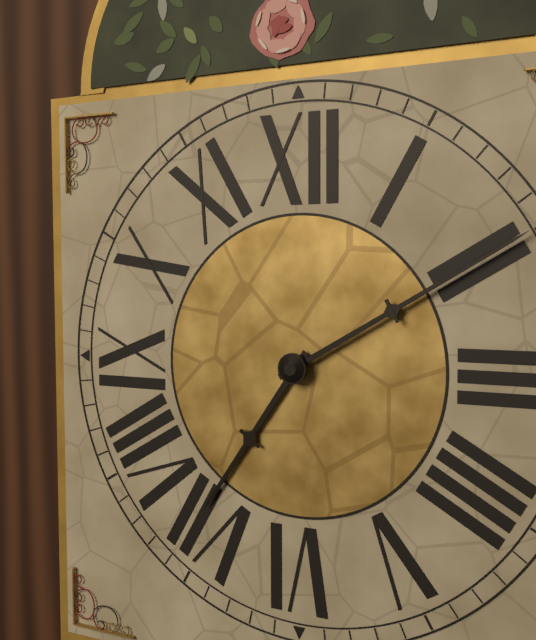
7:10
